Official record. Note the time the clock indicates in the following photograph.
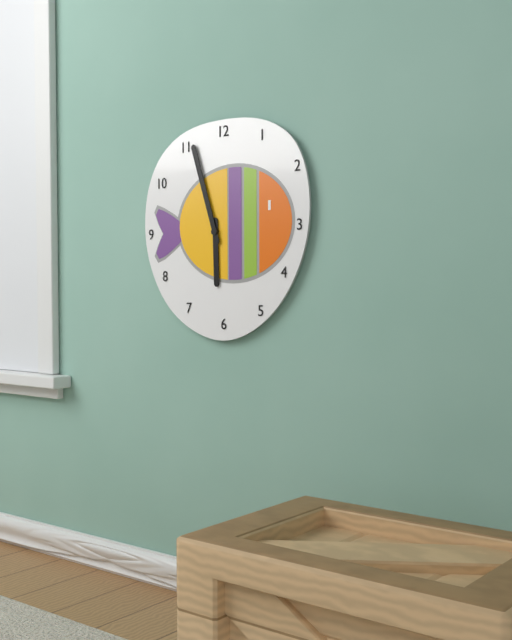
5:57
